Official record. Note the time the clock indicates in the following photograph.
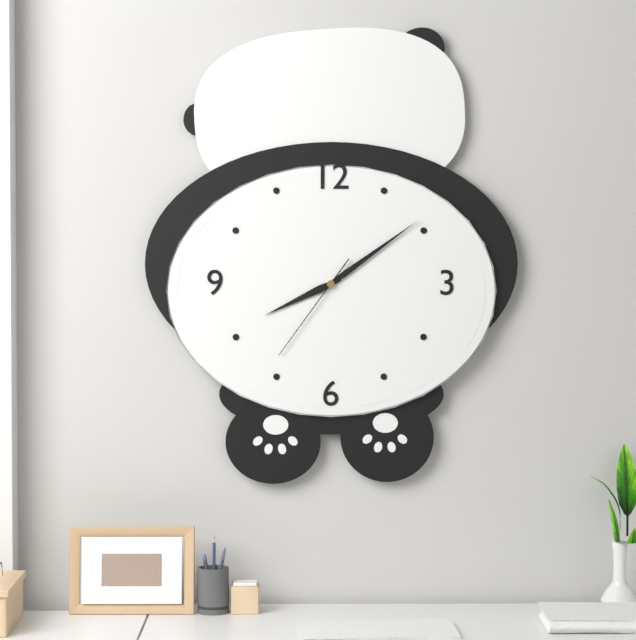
8:09:36
